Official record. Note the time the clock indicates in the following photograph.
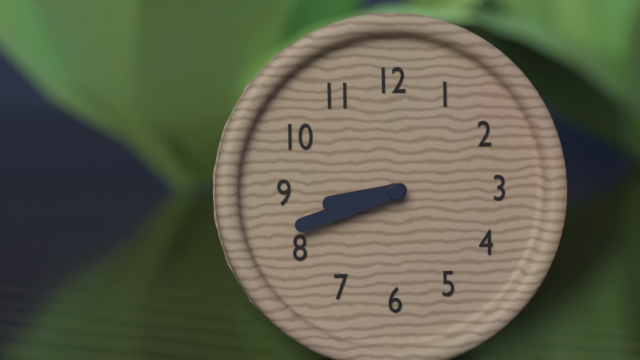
8:42
